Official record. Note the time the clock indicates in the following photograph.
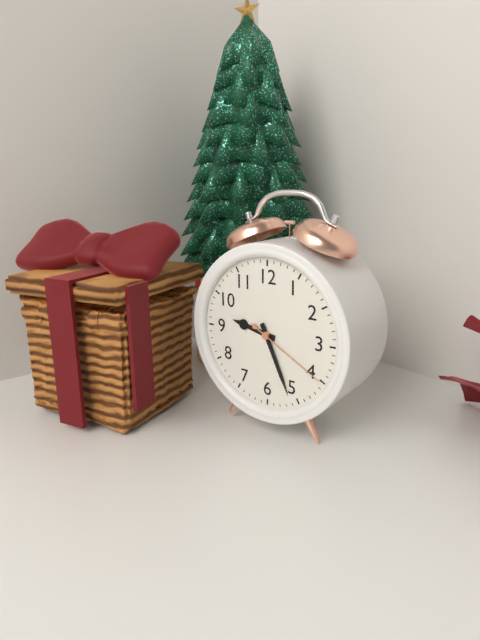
9:26:20
